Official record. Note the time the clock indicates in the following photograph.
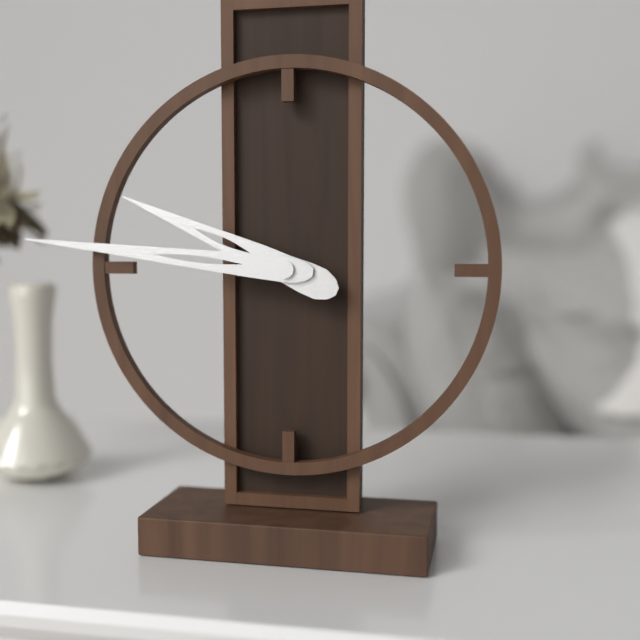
9:46
